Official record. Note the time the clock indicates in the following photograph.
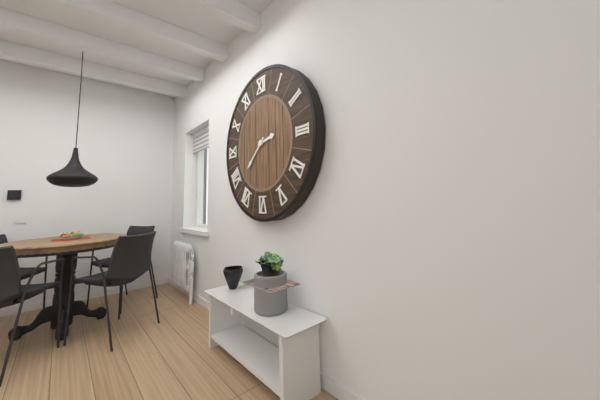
2:38
